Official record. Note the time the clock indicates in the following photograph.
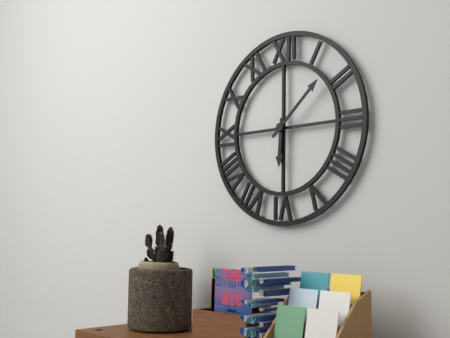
6:08
